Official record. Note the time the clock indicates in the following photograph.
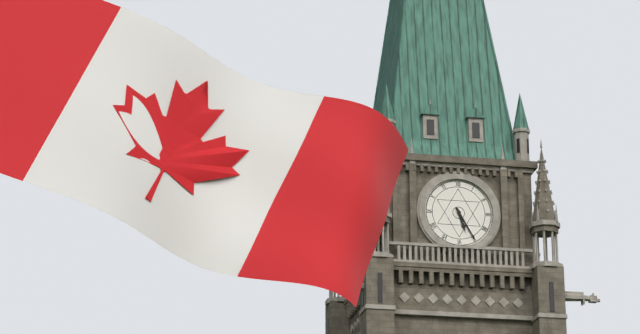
5:25
